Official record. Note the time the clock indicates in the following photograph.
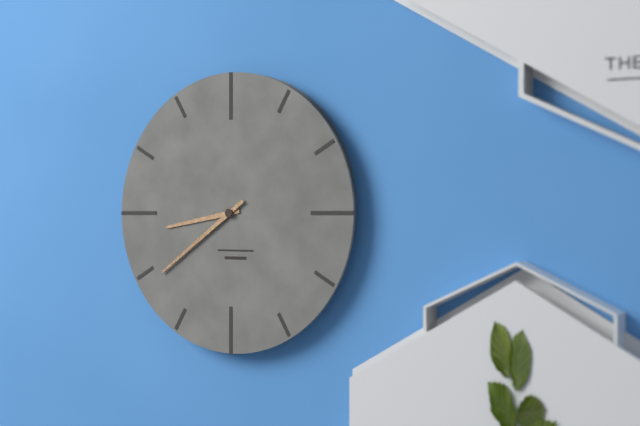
8:39
